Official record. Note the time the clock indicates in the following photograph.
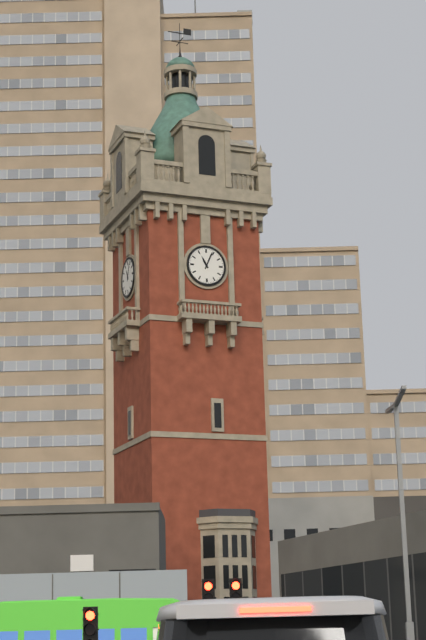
11:04
